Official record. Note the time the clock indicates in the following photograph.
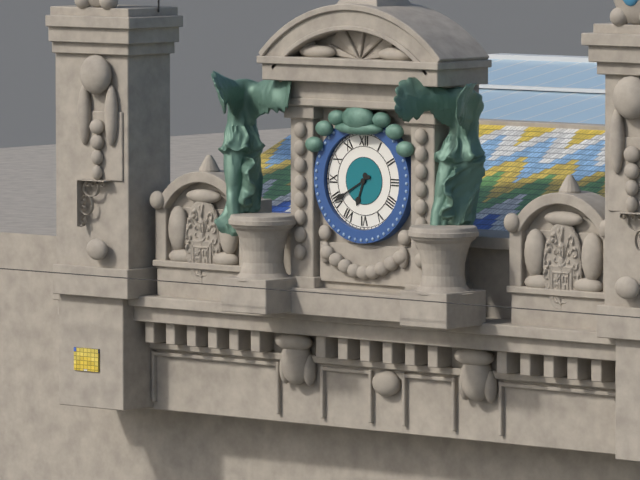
6:40
